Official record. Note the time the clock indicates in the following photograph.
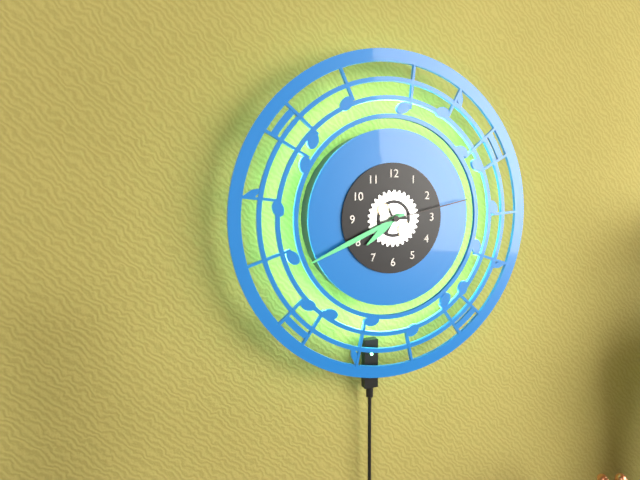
7:41:13
